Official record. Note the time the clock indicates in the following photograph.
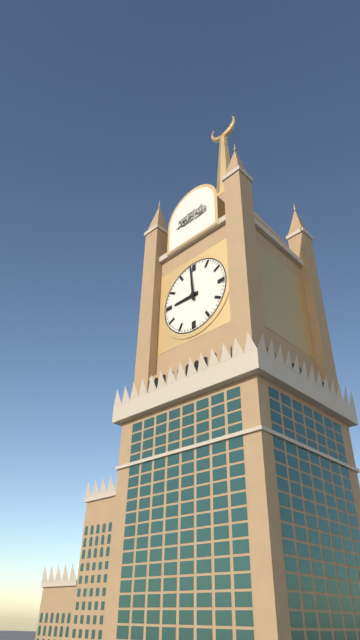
8:59
